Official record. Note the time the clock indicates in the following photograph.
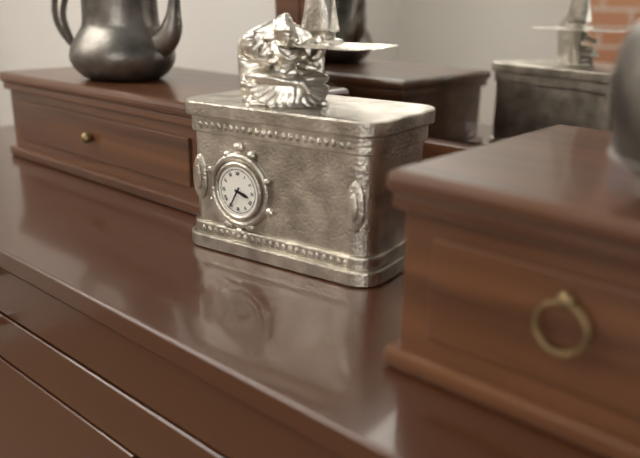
3:35
